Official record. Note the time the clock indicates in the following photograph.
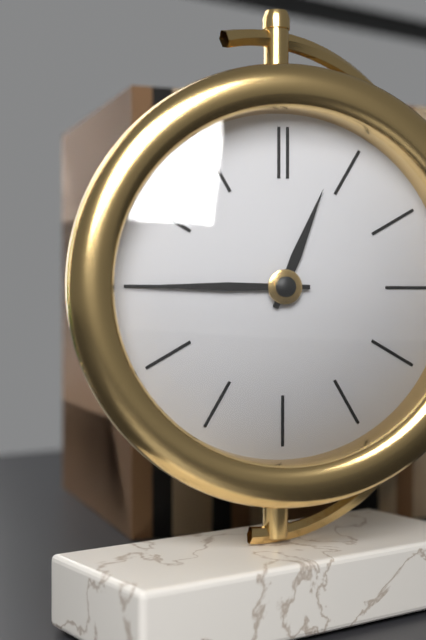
12:45
